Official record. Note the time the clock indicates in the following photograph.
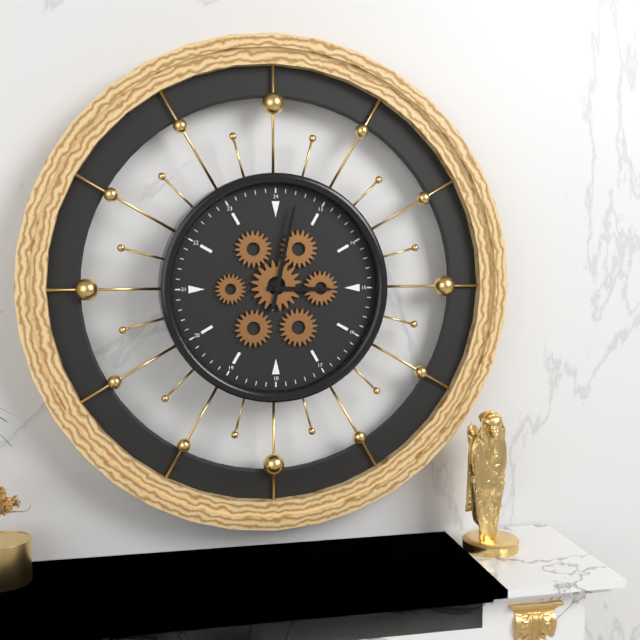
3:02
